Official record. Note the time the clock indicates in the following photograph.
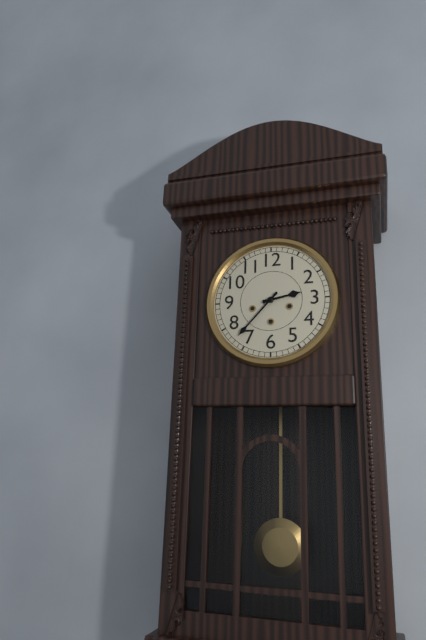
2:37
